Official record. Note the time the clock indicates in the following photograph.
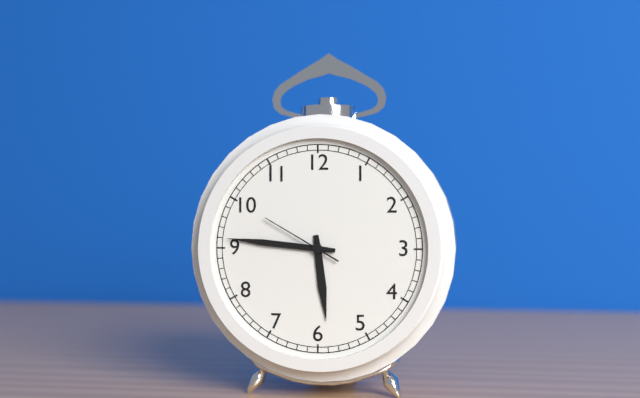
5:46:50
